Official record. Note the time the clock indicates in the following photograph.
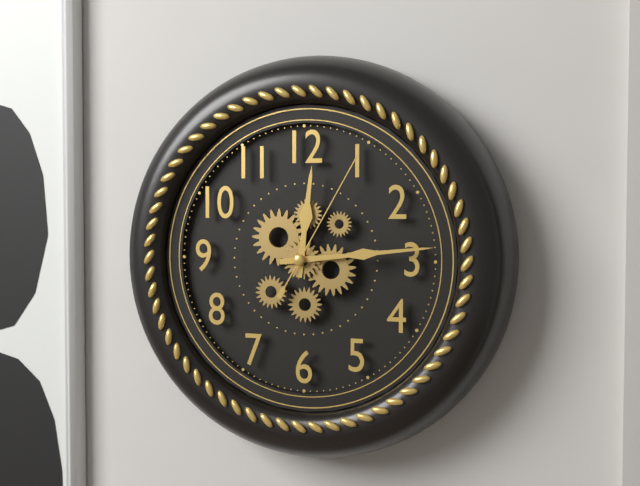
12:14:05
